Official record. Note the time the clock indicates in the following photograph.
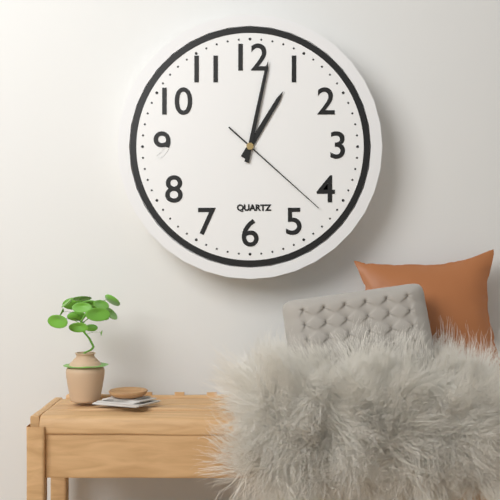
1:02:22
